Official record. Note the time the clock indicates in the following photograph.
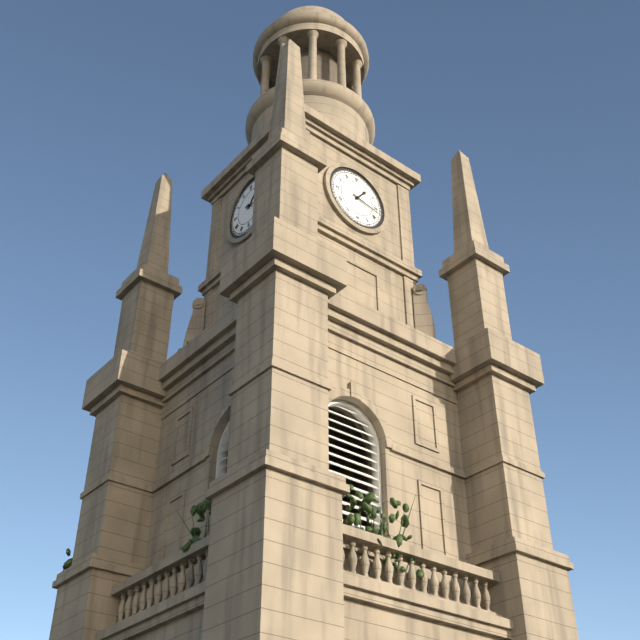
1:17
